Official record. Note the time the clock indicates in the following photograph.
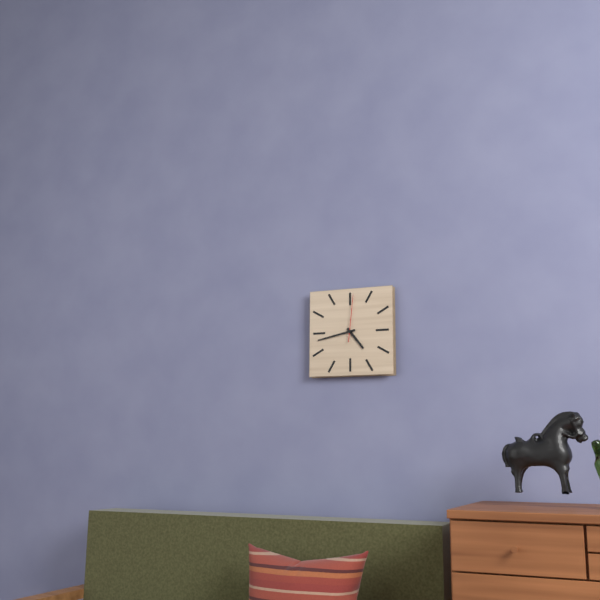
4:43
